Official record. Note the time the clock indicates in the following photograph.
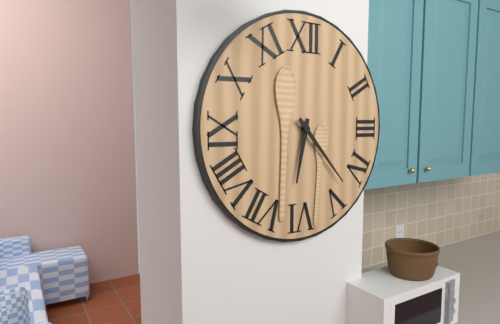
6:23
